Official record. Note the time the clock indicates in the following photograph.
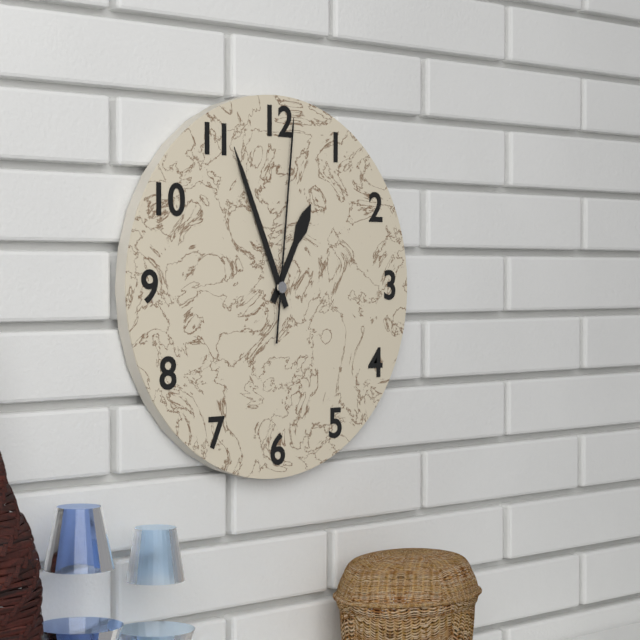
12:56:01
